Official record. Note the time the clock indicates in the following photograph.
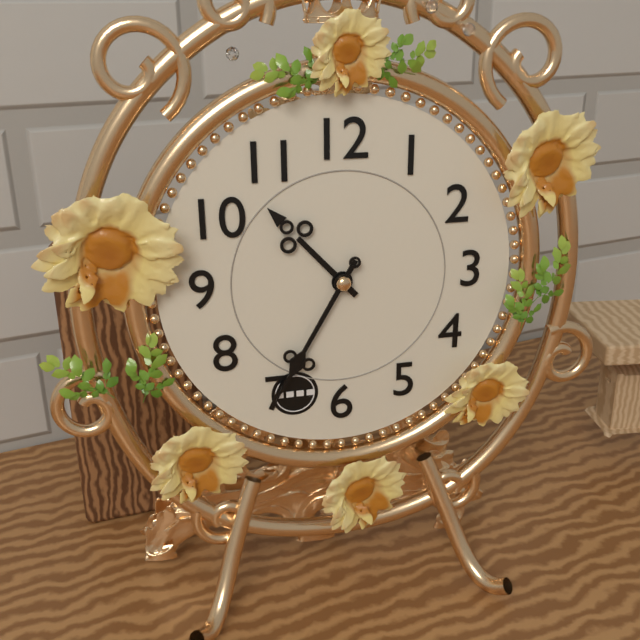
10:35
